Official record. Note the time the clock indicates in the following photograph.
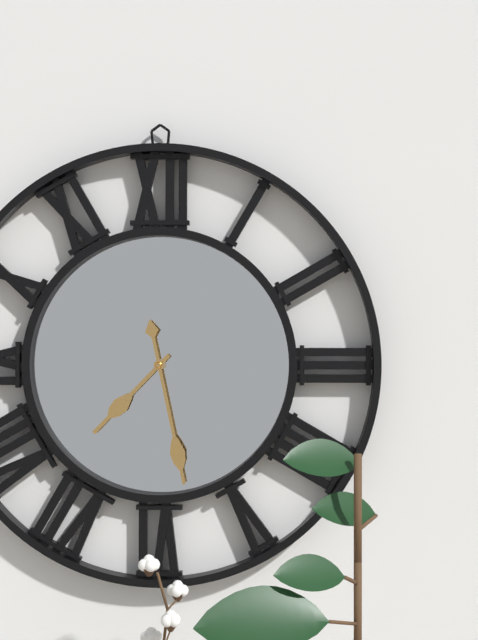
7:28
